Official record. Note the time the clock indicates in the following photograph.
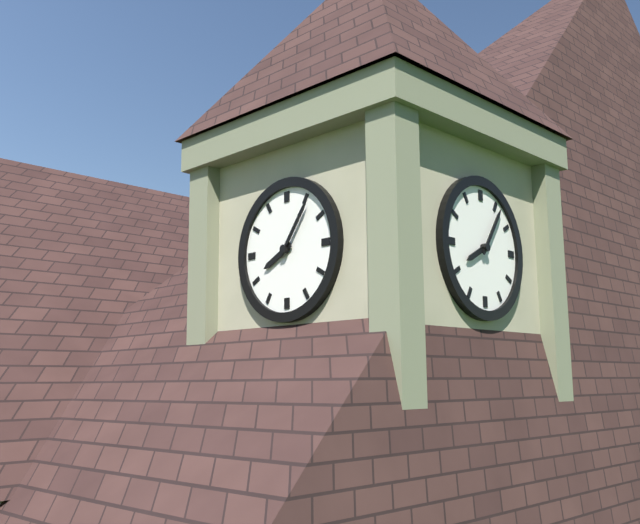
8:06
